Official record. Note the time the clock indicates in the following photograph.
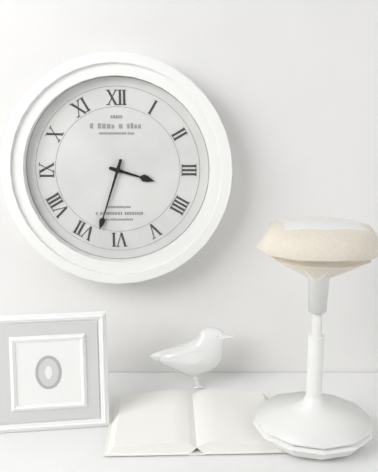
3:33
